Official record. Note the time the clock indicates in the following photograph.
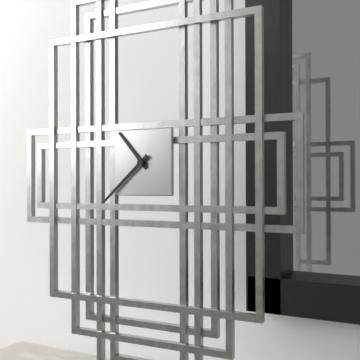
10:38
